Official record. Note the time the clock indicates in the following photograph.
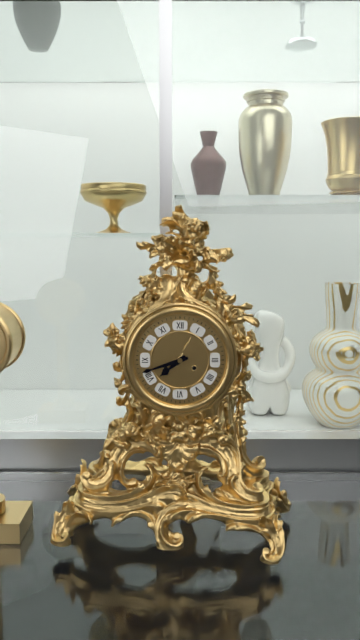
7:42
